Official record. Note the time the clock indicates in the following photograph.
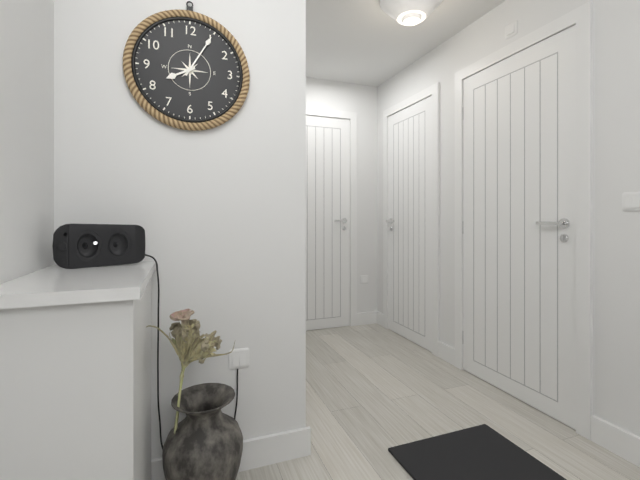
8:05
